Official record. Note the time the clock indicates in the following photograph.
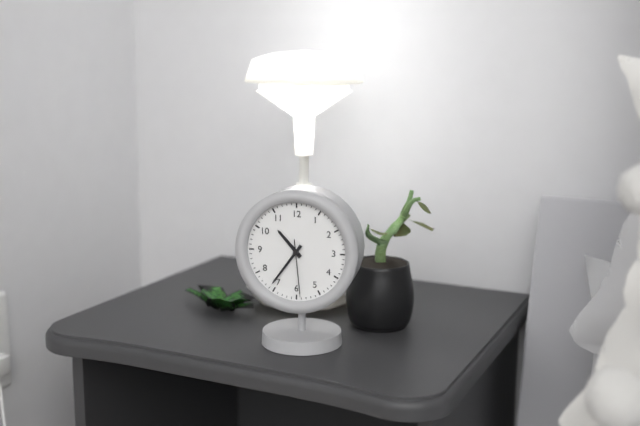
10:36:29
